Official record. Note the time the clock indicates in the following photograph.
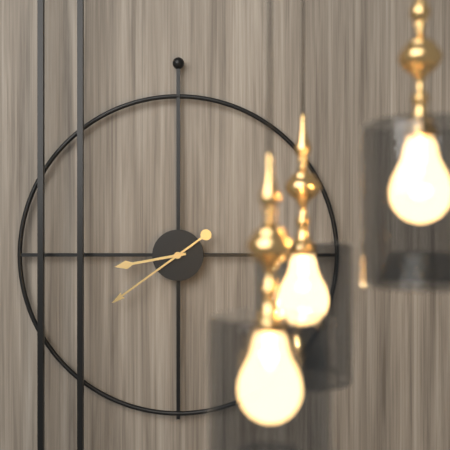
8:39
